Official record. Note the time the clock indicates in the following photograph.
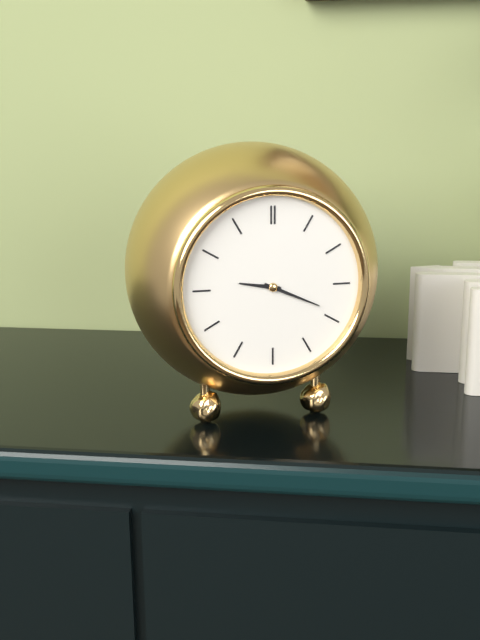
9:19
